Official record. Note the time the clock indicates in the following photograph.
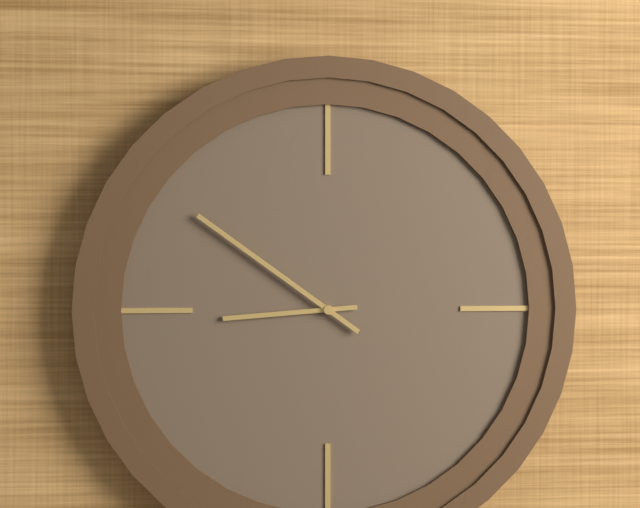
8:51
